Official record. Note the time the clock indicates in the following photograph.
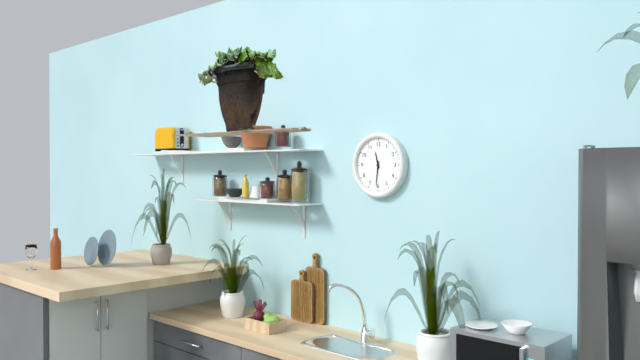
11:31
